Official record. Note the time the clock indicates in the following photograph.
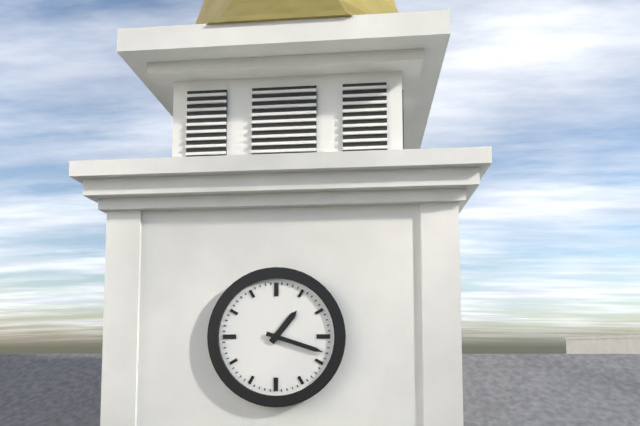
1:18
